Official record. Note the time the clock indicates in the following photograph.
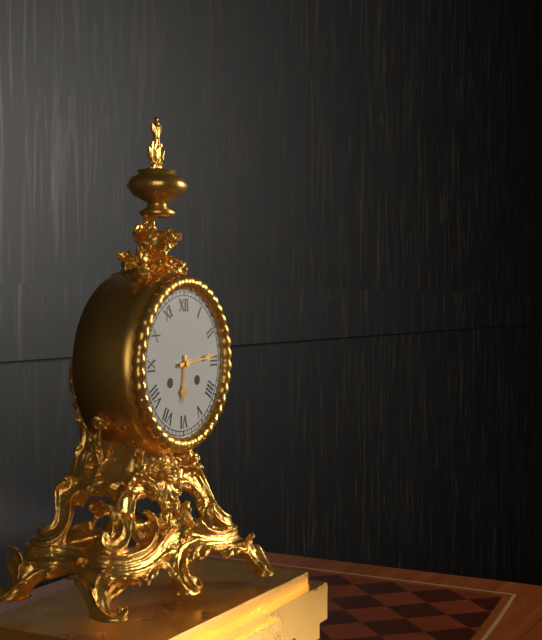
6:14
